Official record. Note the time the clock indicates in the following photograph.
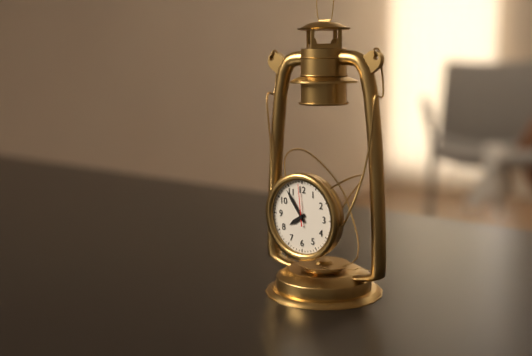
7:54
